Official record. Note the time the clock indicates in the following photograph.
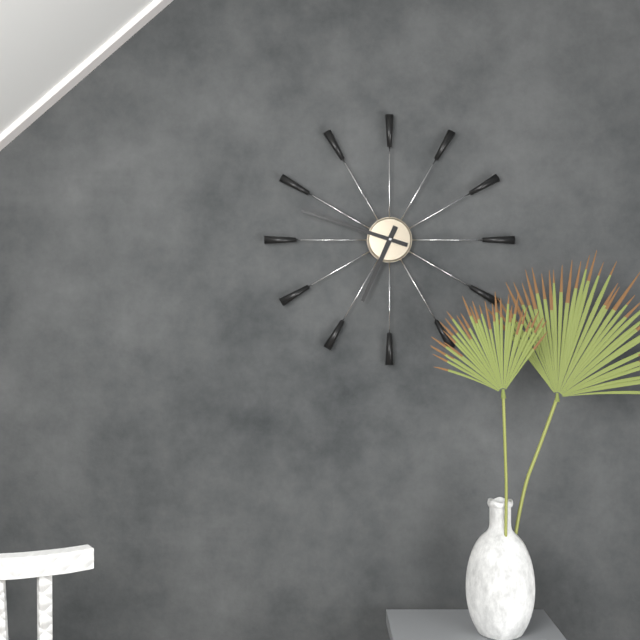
6:48
